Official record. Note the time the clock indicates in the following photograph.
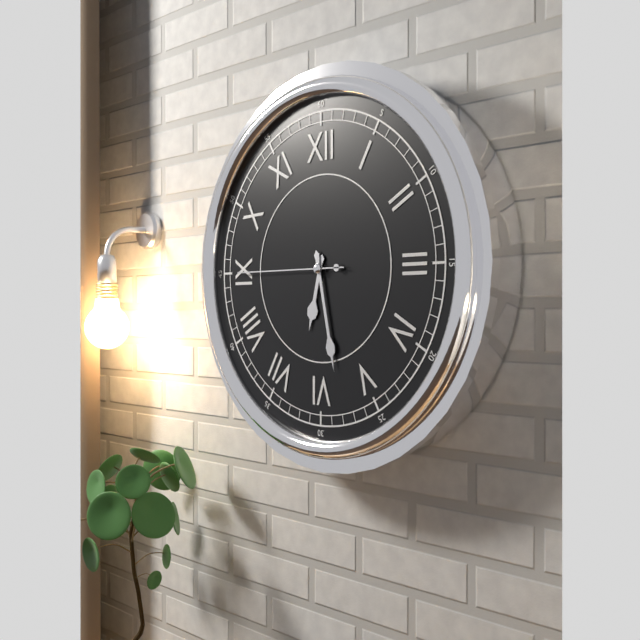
6:28:45
